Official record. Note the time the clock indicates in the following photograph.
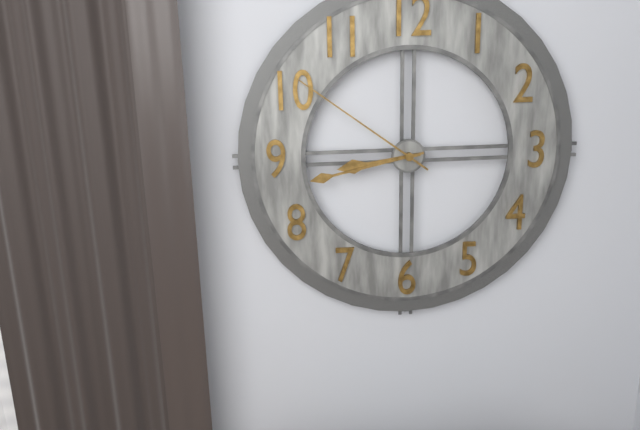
8:43:51
